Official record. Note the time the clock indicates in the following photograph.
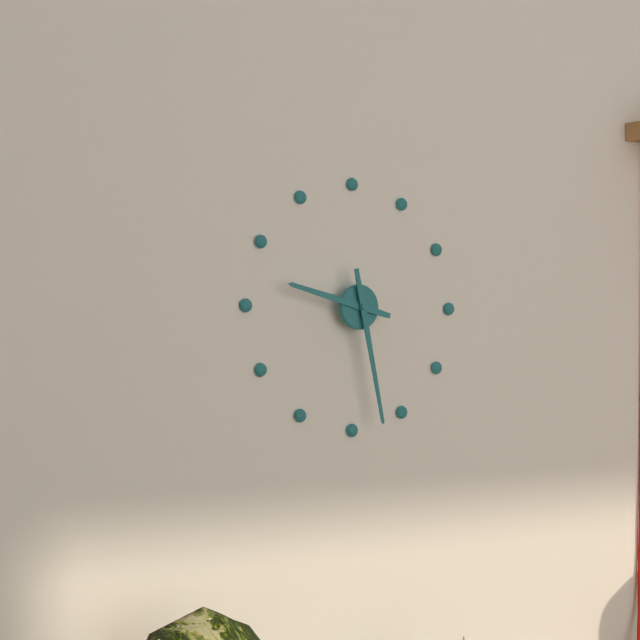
9:28
